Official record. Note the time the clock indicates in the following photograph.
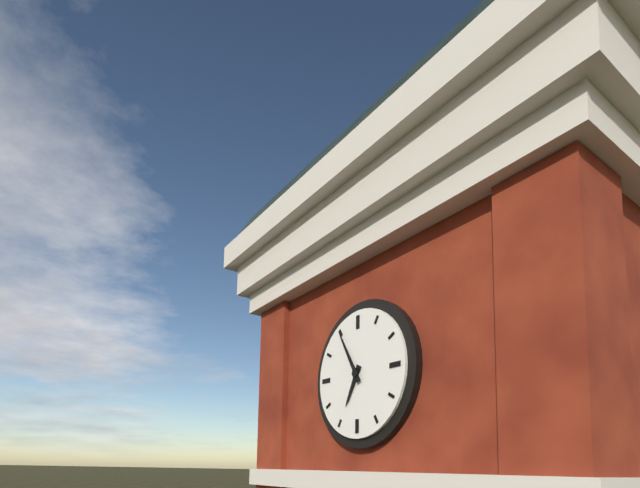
6:55
